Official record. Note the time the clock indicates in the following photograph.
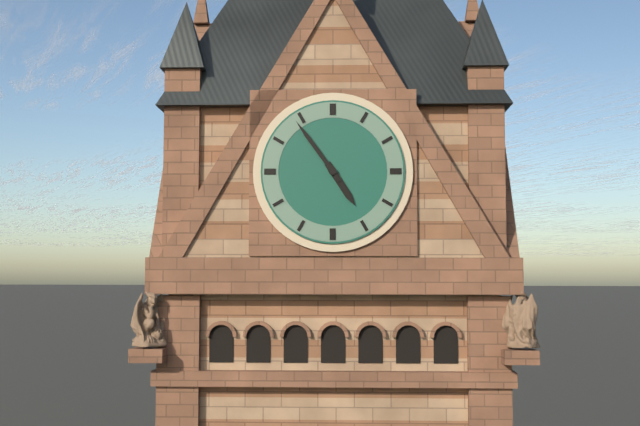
4:54
